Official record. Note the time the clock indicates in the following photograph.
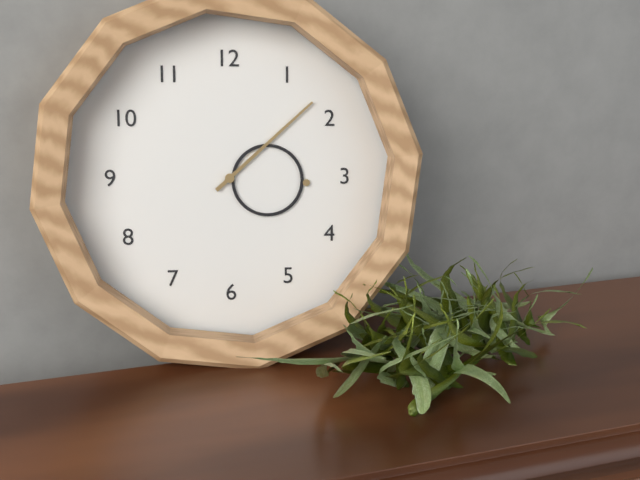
3:08
